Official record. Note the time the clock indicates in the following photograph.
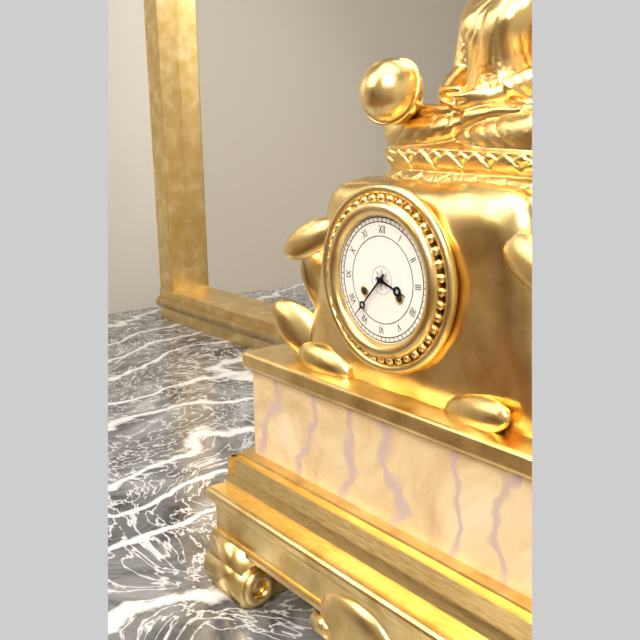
3:37
